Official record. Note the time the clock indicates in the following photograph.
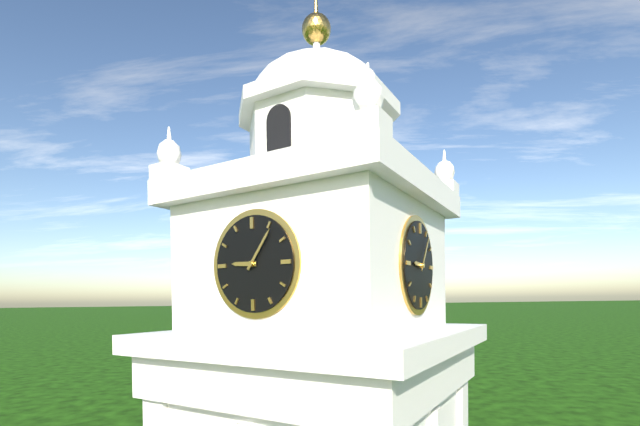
9:06
